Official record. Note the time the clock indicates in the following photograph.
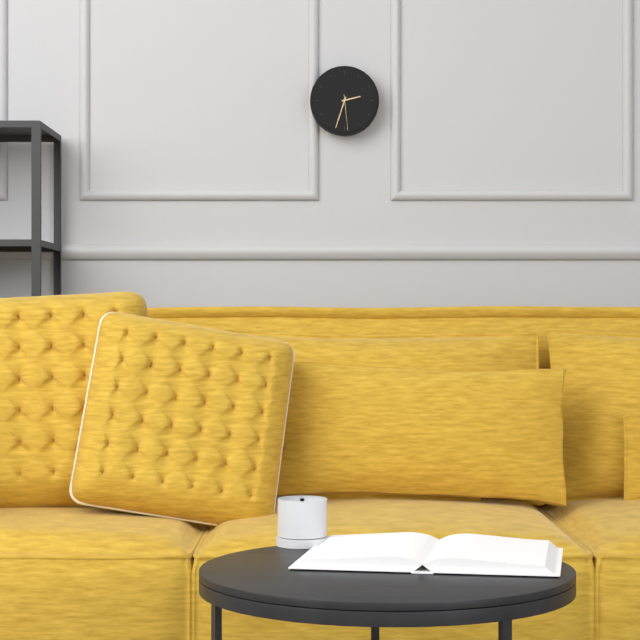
2:33
